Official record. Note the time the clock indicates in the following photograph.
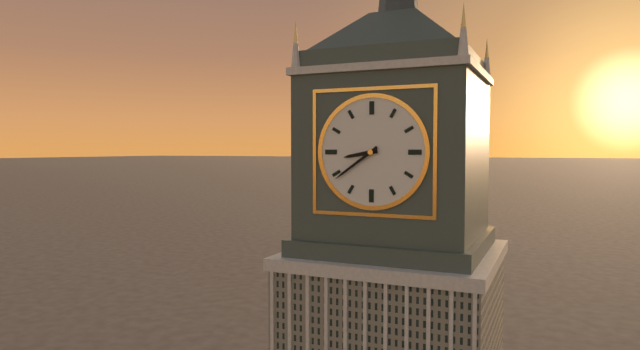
8:39
